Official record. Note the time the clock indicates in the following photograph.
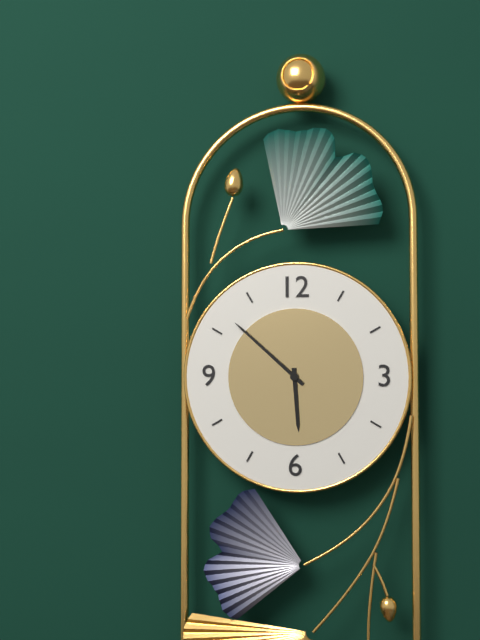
5:52
